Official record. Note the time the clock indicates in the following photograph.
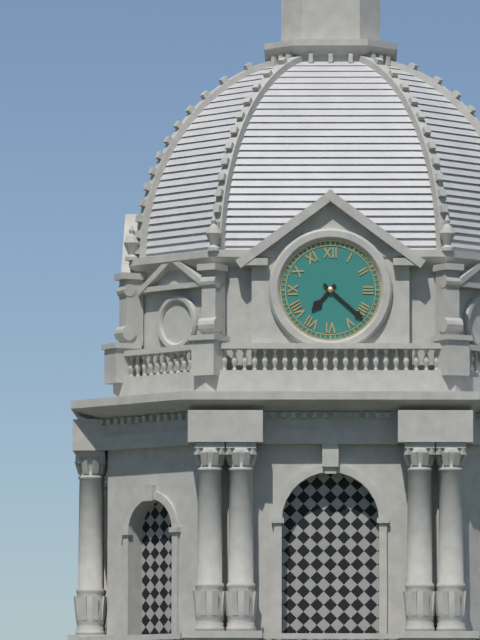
7:22
